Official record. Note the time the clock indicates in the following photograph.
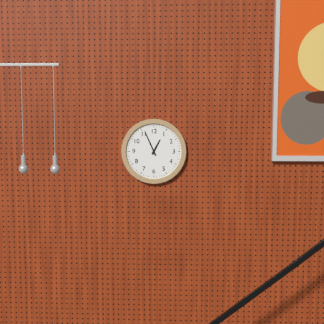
12:56
